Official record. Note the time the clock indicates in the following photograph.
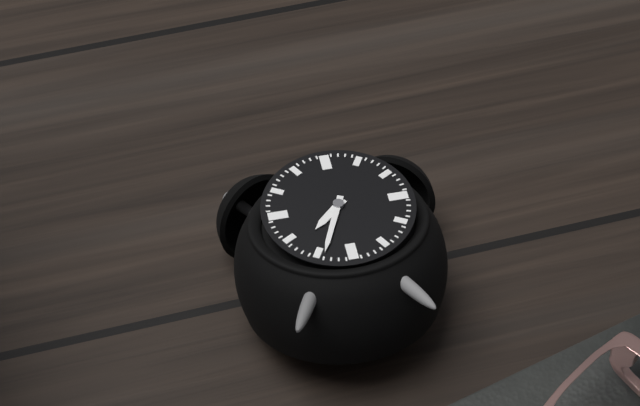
7:34
